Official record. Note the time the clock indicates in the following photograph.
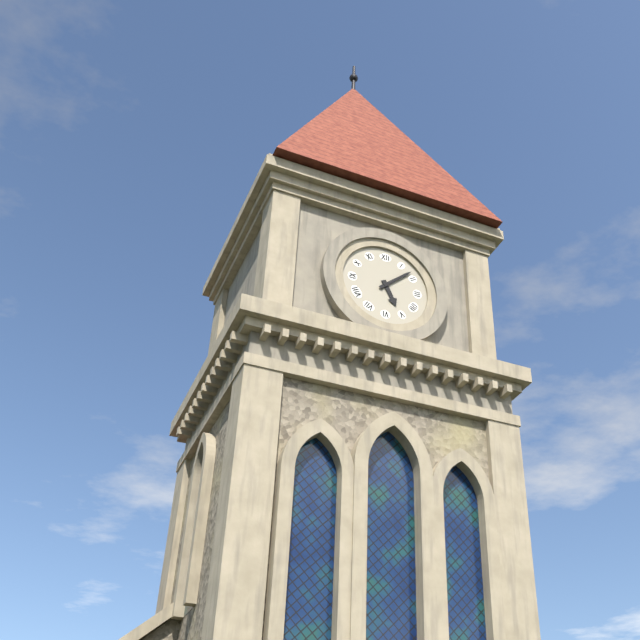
5:08
